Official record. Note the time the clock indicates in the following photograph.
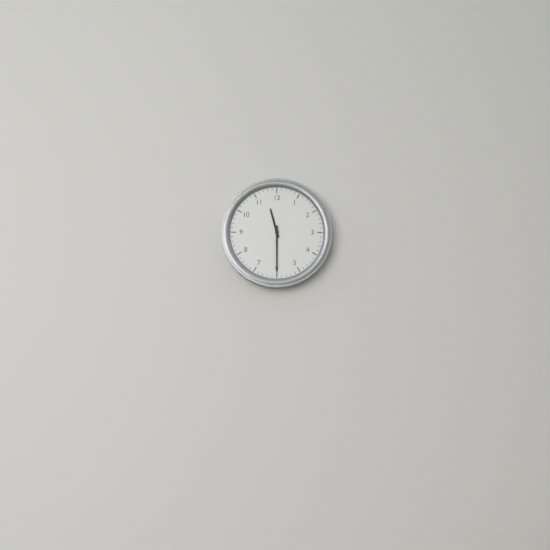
11:30
